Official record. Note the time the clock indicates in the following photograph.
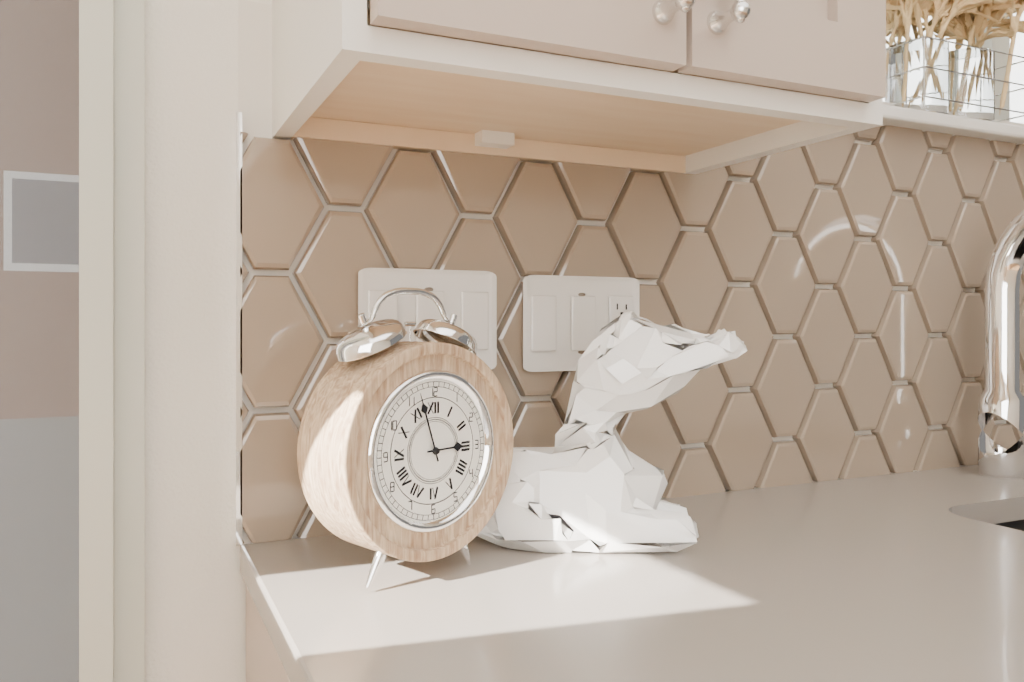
2:57
